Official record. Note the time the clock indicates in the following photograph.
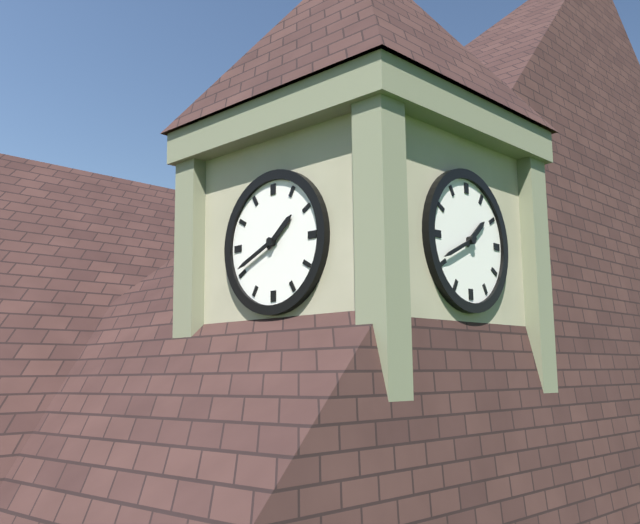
1:41
